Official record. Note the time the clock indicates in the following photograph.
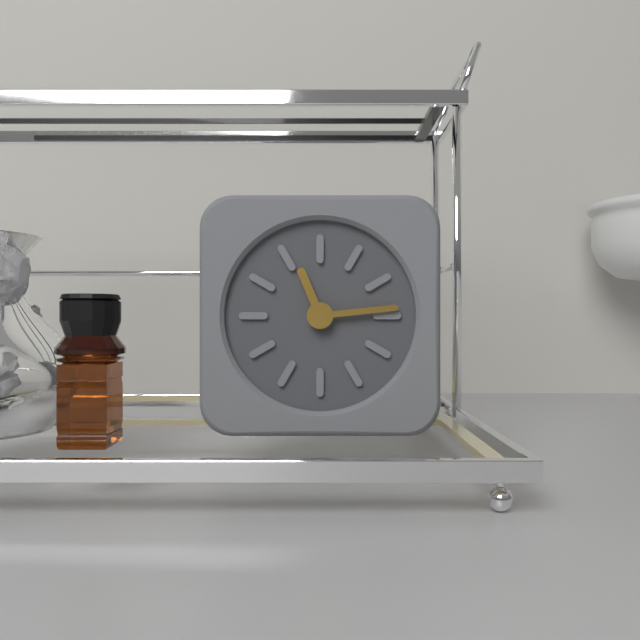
11:14
